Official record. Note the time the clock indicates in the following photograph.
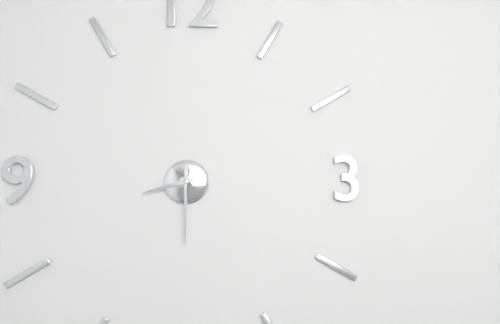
8:30
